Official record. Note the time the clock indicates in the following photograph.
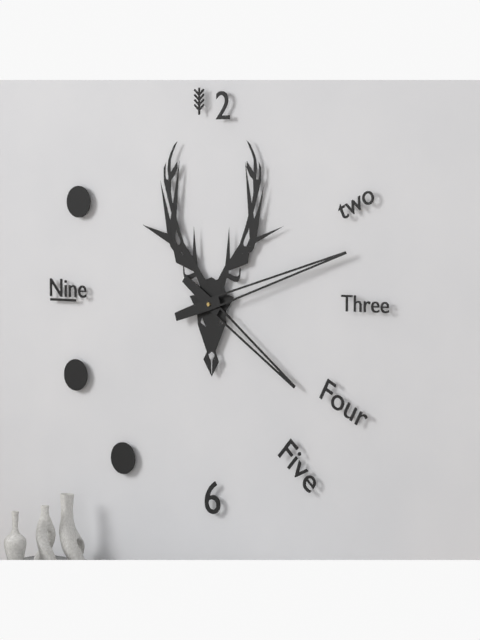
4:12
